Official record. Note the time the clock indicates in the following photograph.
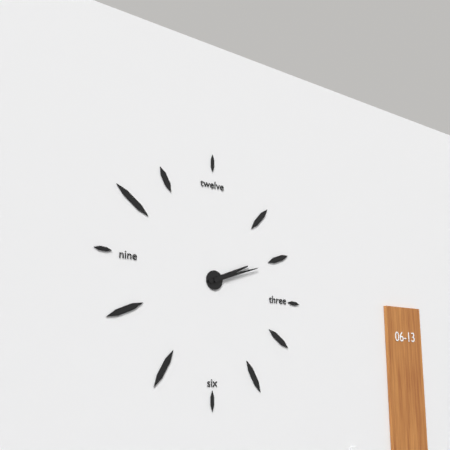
2:12
